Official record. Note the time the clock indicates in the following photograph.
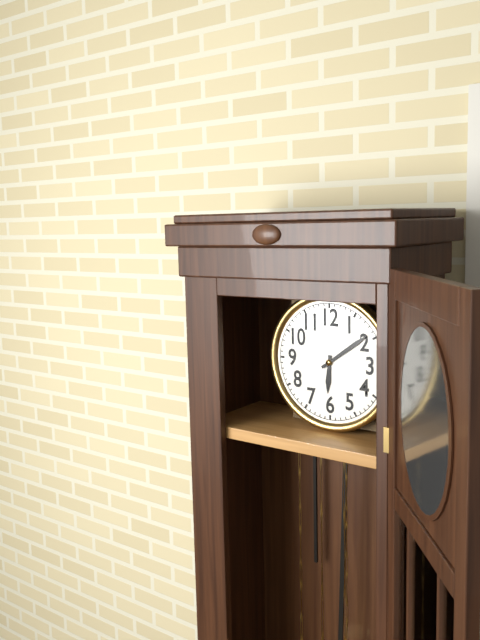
6:09
